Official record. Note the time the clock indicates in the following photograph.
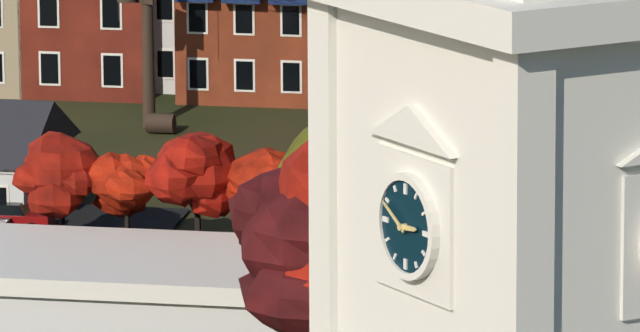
2:50
